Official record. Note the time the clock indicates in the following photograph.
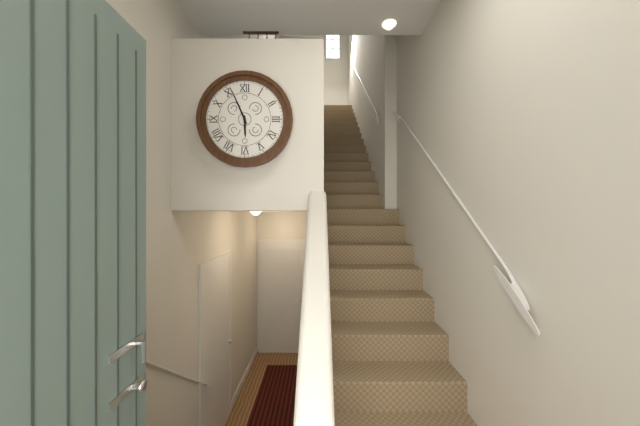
5:56
